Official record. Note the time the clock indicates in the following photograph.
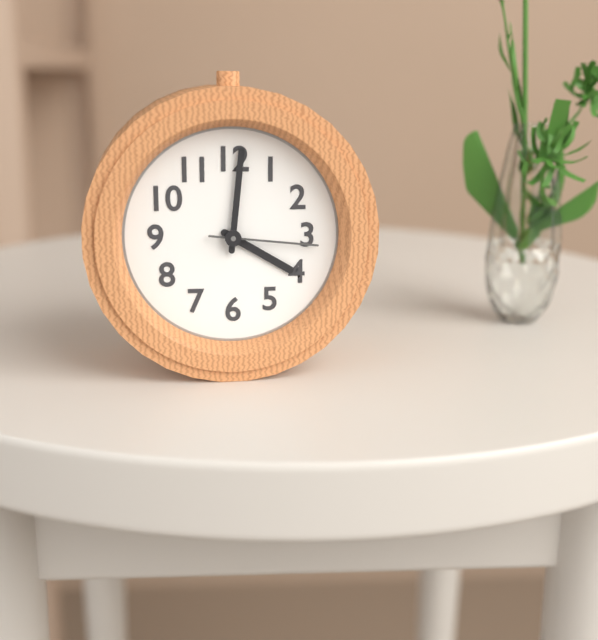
4:01:16
